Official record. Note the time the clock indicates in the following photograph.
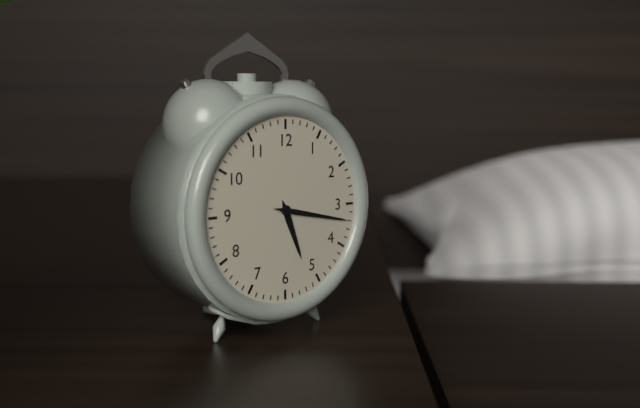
5:17
